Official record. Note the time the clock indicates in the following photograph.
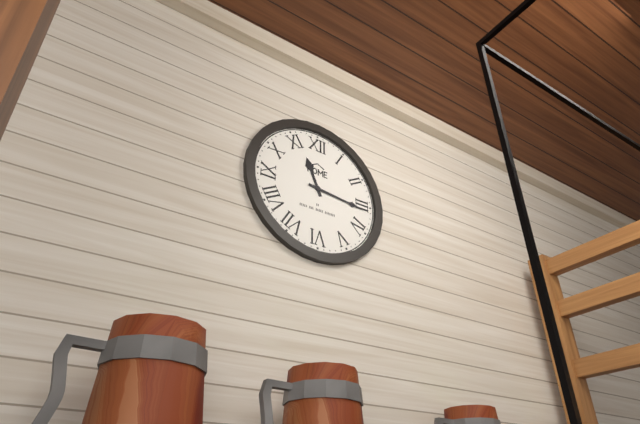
11:16
